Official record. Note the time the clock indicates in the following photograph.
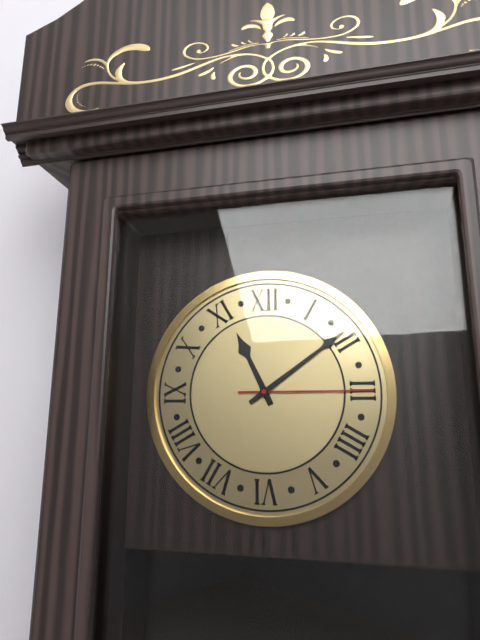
11:09:15
